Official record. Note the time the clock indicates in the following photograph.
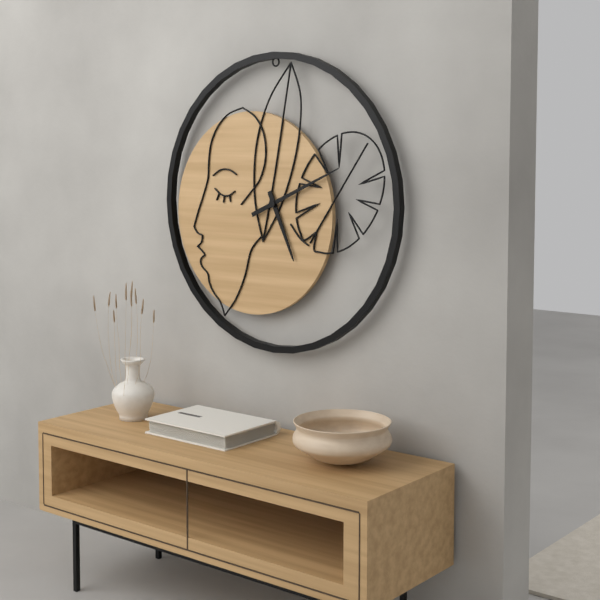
5:11
